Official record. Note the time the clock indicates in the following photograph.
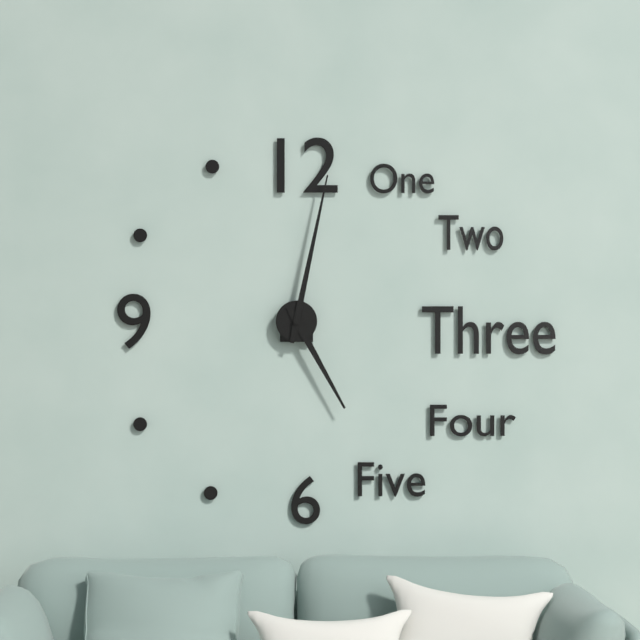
5:02
